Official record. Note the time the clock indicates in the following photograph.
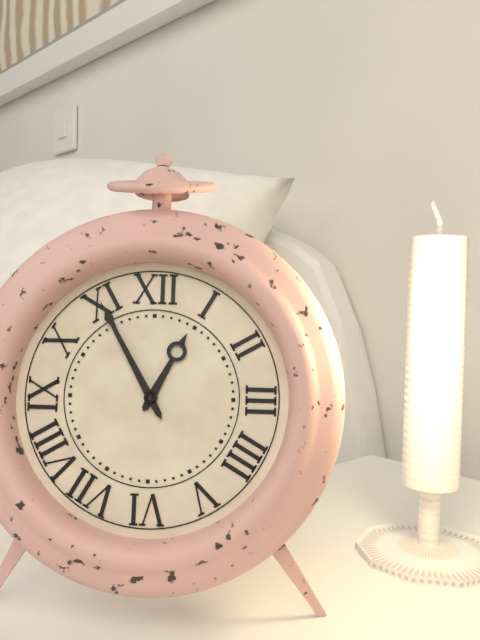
12:55
